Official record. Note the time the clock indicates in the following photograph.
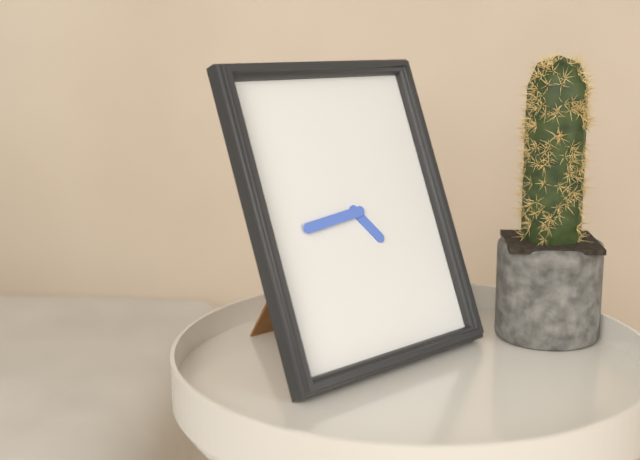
4:44
